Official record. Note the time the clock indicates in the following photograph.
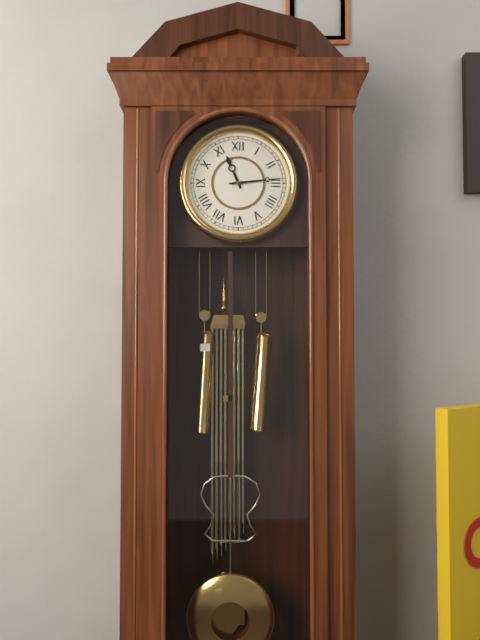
11:14
